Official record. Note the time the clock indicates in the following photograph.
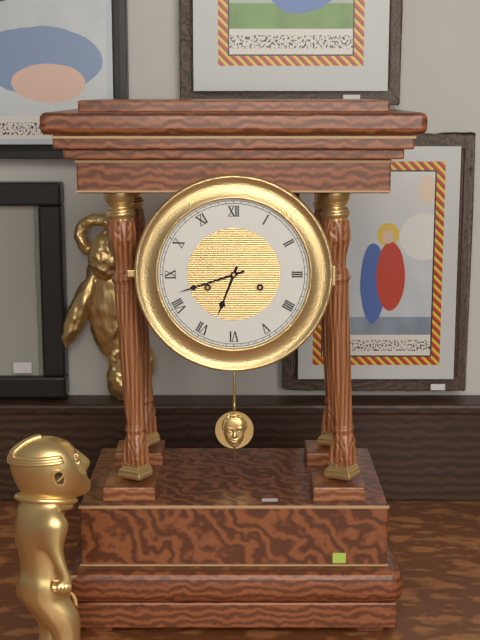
6:42
